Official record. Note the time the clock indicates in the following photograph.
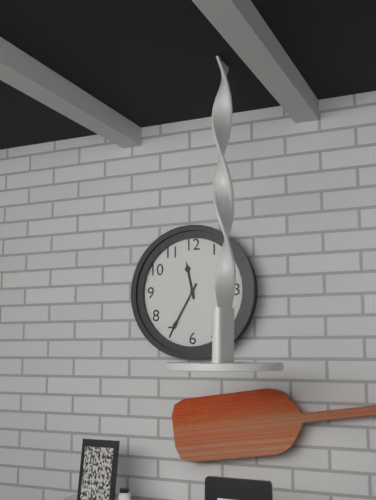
11:35
